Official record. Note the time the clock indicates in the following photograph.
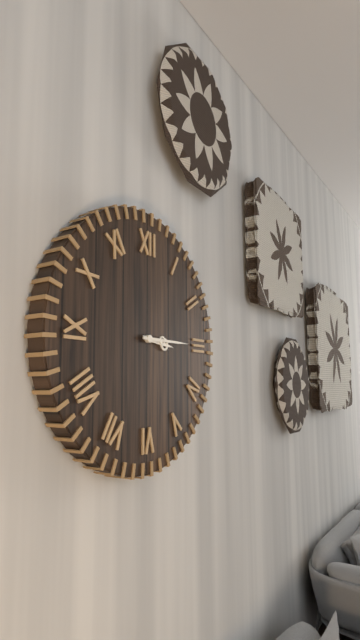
3:15
